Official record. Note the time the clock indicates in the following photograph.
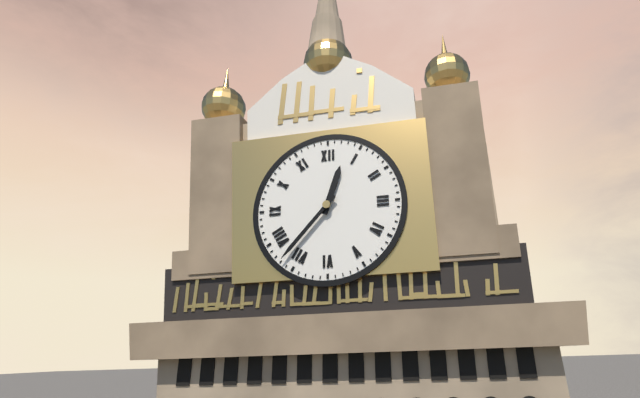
12:37
